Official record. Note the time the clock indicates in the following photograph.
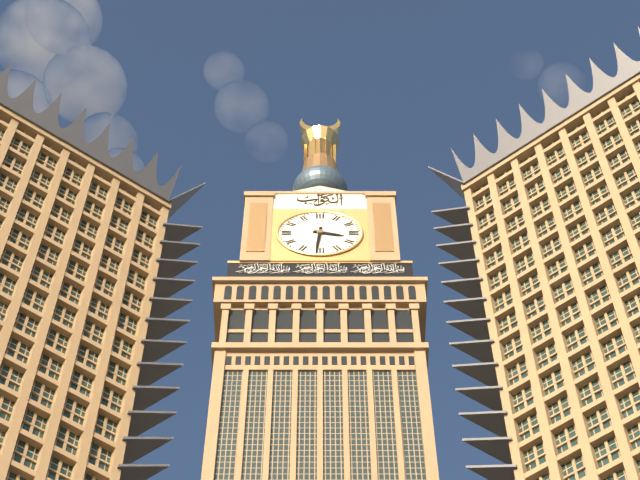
3:31
